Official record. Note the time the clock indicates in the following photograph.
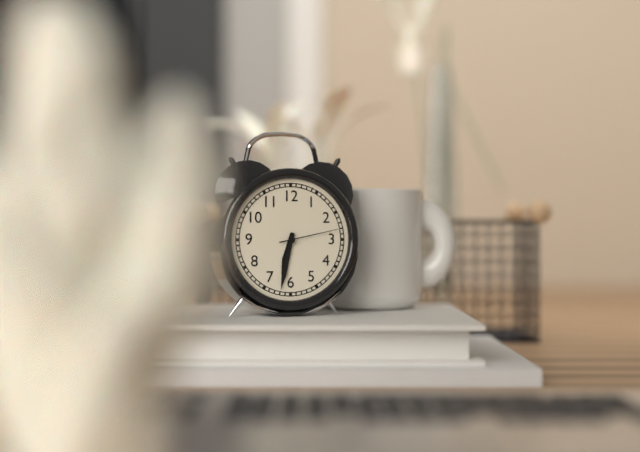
6:32:13
